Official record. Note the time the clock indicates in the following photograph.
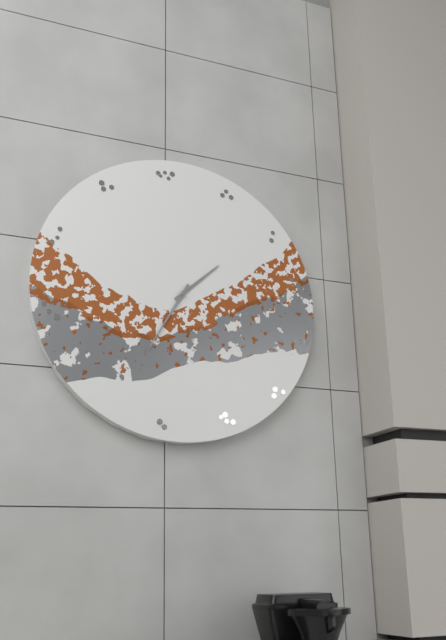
1:35
